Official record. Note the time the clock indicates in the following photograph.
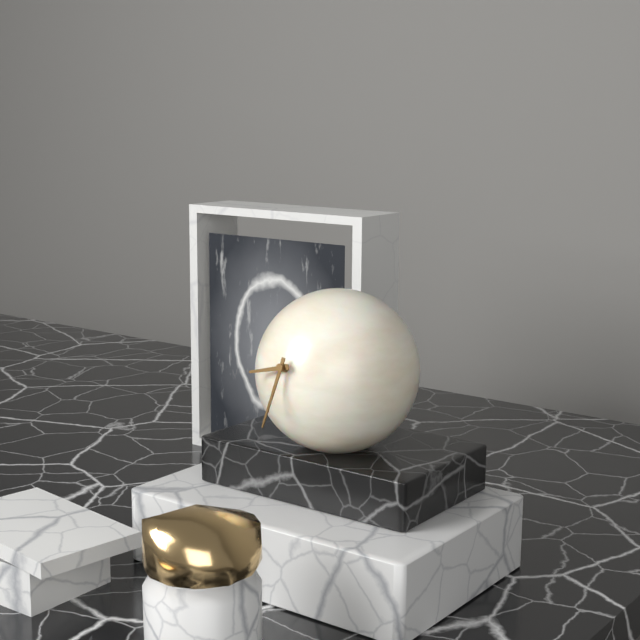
8:32
